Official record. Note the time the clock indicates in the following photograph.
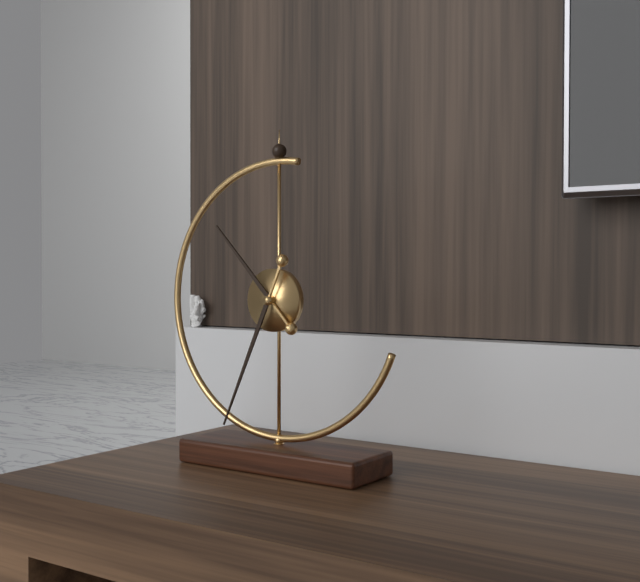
10:34
